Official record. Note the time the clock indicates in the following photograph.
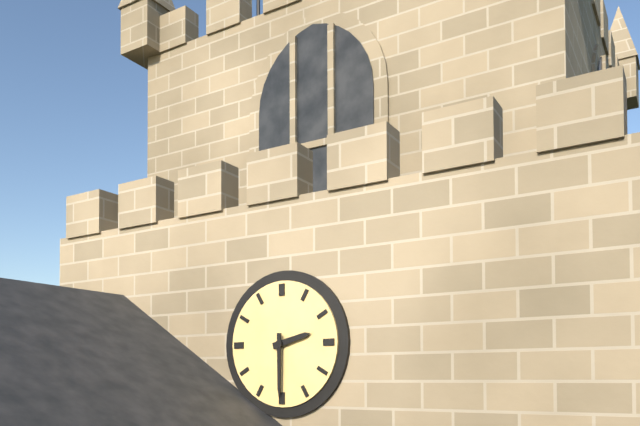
2:30
